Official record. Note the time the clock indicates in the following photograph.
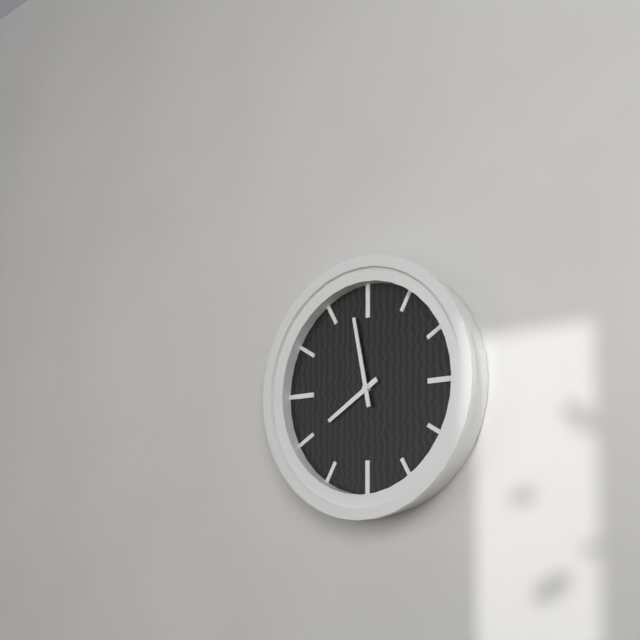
7:58
